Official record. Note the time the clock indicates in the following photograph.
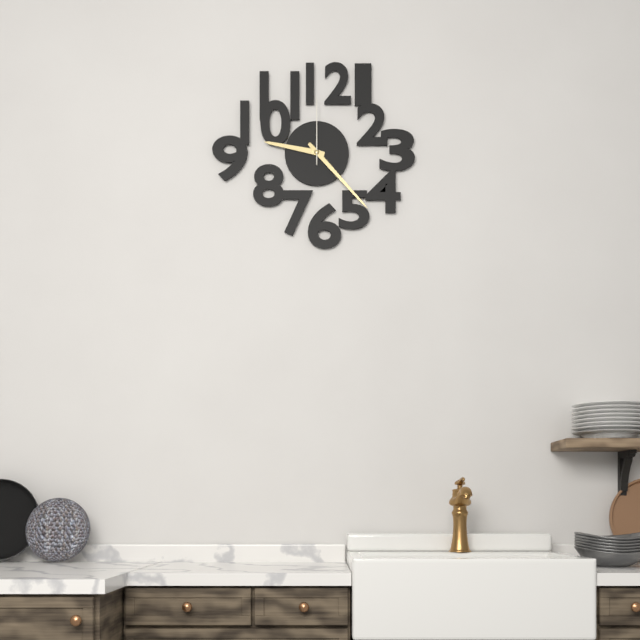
9:23:00
